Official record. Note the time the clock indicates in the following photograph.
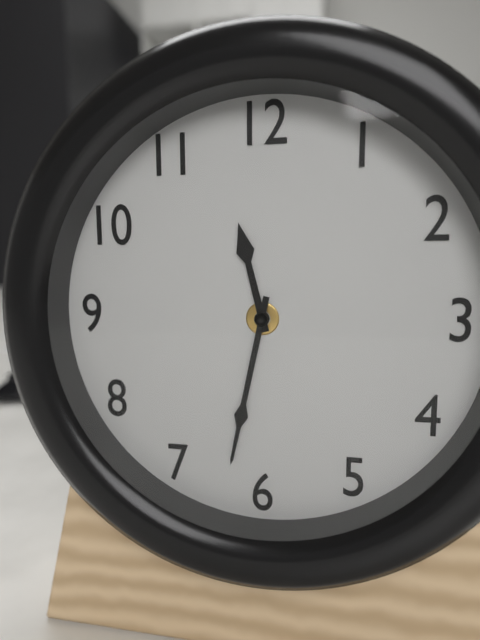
11:32
